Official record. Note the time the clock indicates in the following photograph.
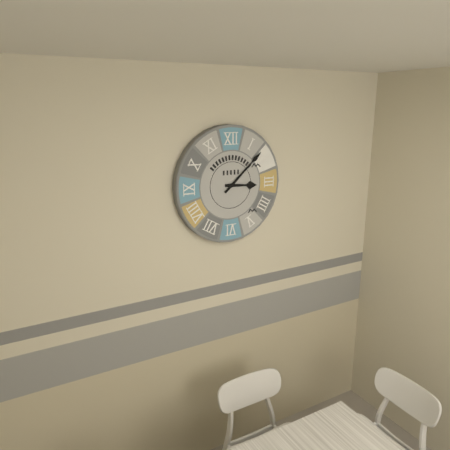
3:08
